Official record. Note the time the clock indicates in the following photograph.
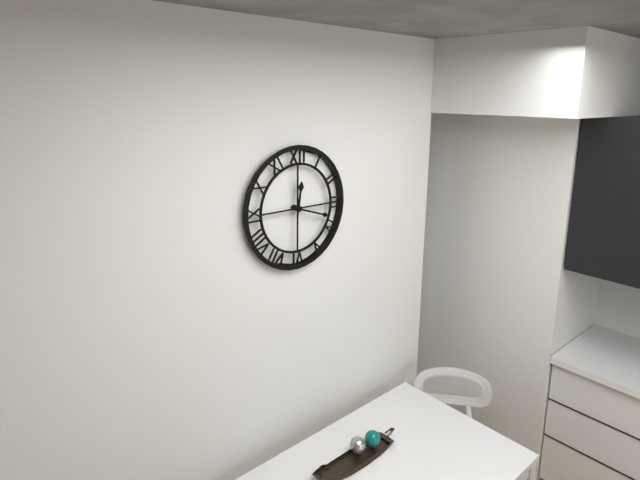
12:18
